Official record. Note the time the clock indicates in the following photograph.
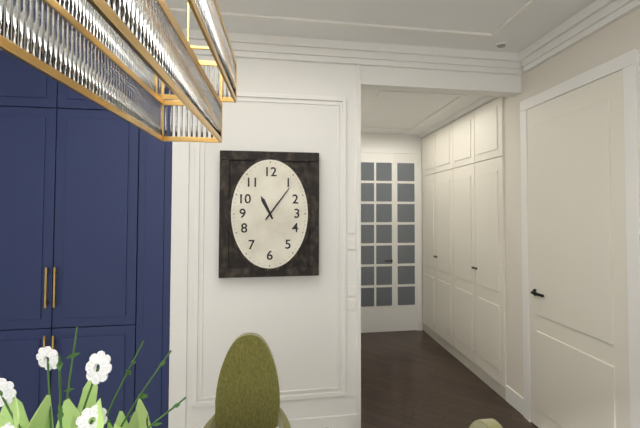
11:06
